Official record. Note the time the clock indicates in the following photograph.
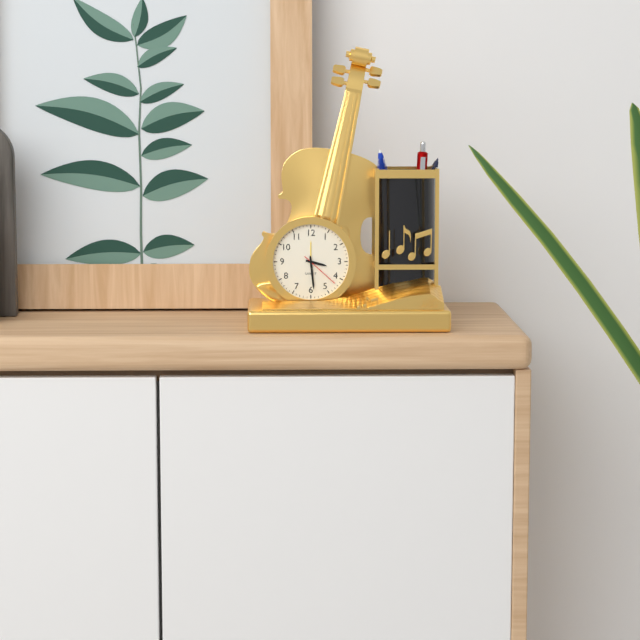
3:29
